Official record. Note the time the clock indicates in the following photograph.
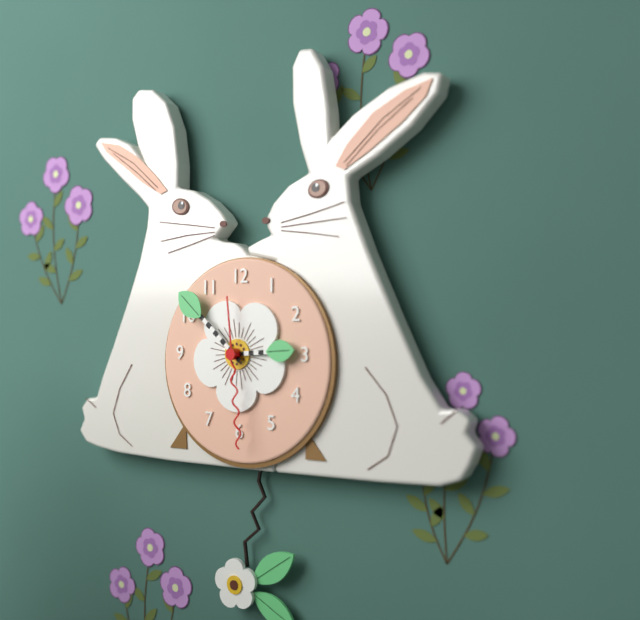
2:52:29
